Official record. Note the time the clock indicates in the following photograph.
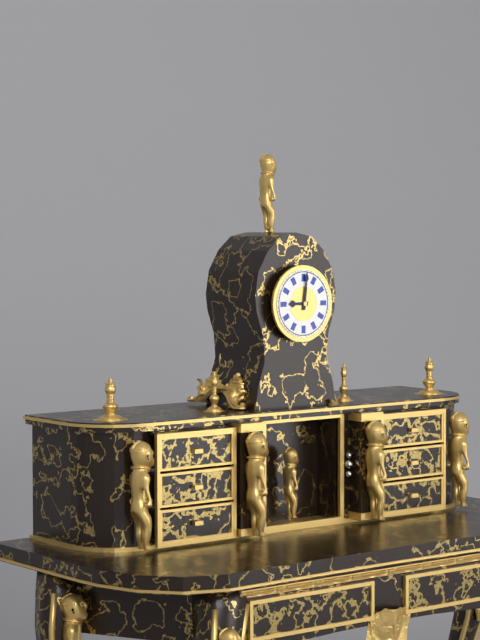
9:01
